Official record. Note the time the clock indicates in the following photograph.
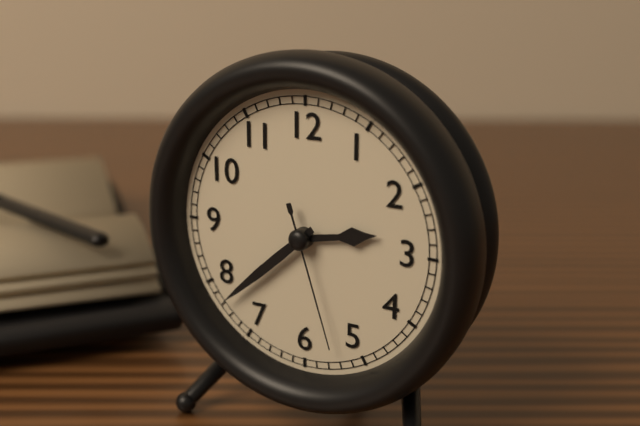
2:38:27
